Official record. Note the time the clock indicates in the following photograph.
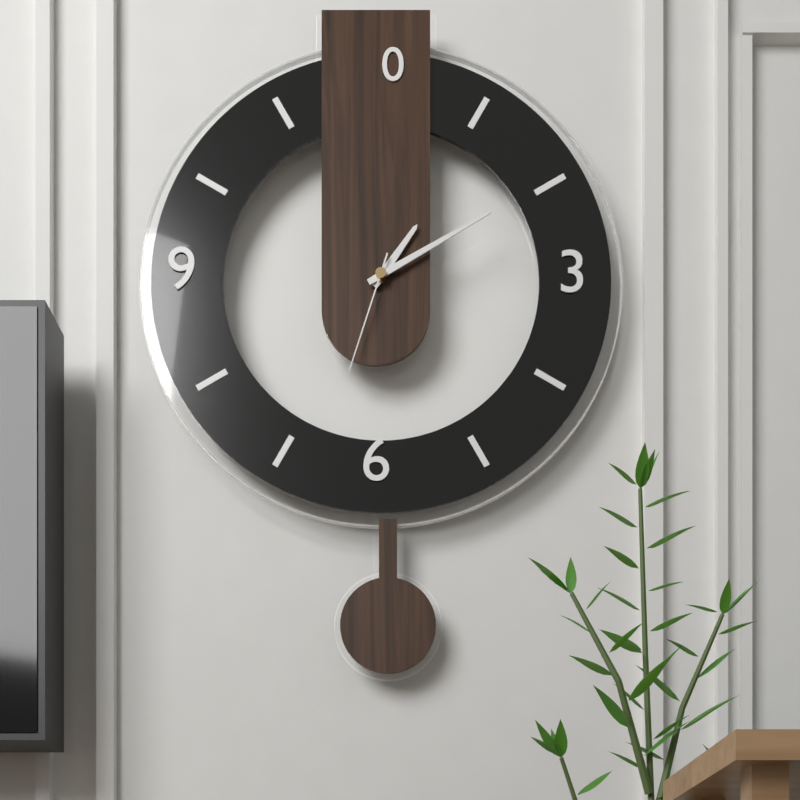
1:10:33
